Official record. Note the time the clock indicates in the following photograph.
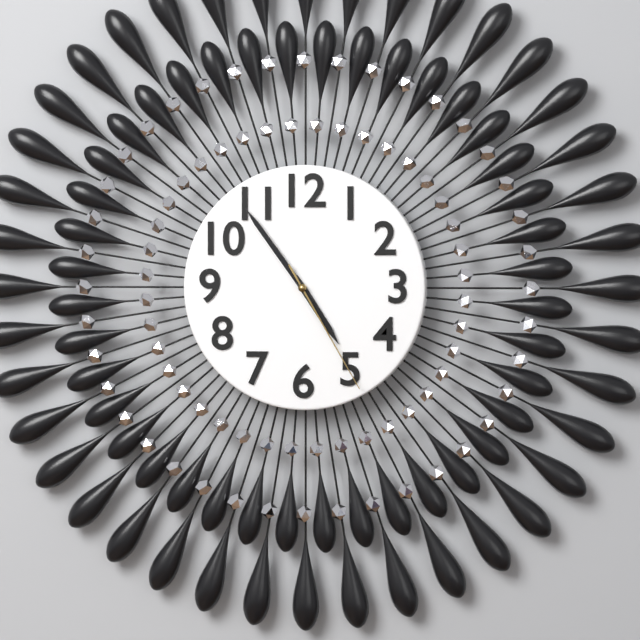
4:54:25
